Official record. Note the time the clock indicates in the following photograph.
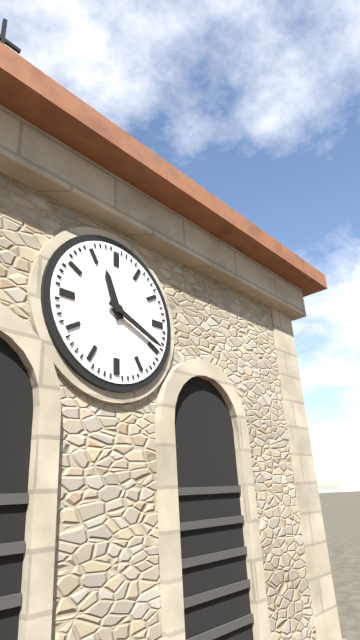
11:19
